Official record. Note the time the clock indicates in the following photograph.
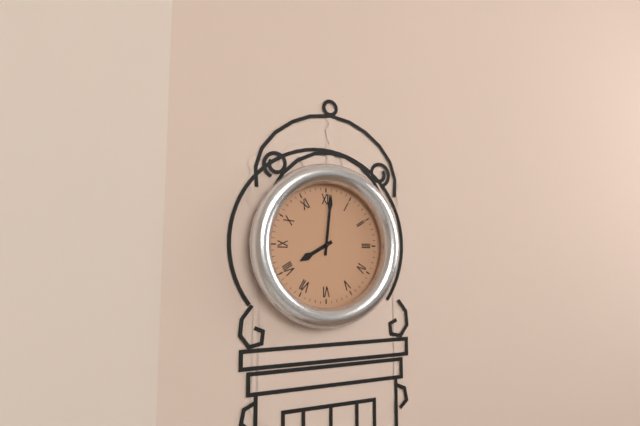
8:01
